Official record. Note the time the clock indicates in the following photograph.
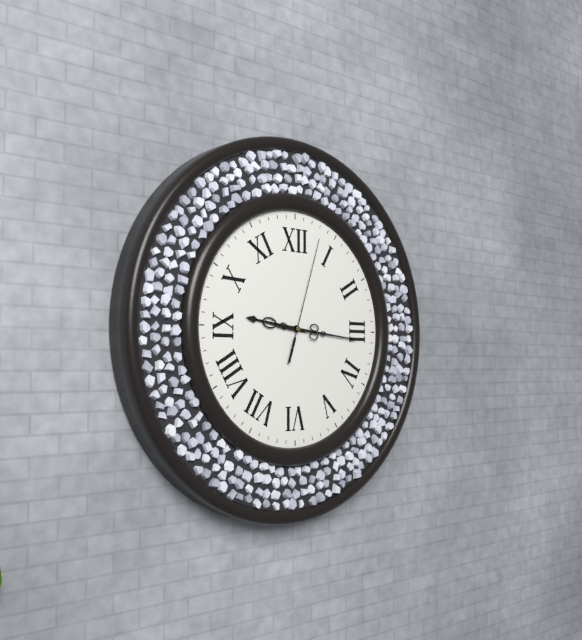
9:16:03
